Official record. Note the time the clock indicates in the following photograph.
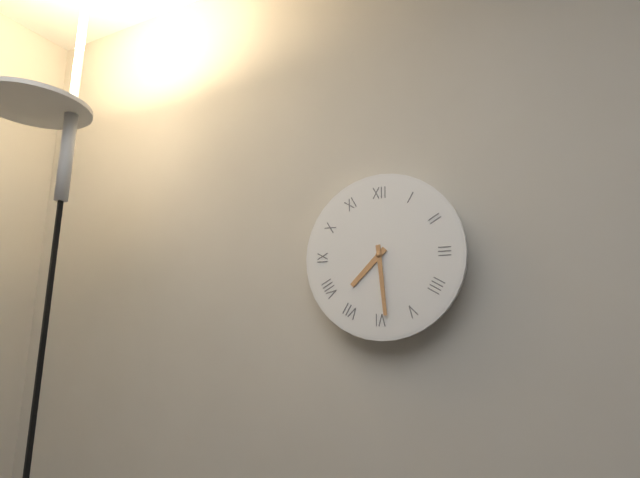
7:29
